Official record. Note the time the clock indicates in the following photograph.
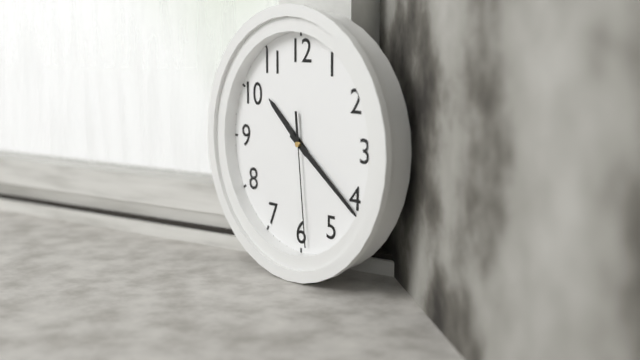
10:21:29
